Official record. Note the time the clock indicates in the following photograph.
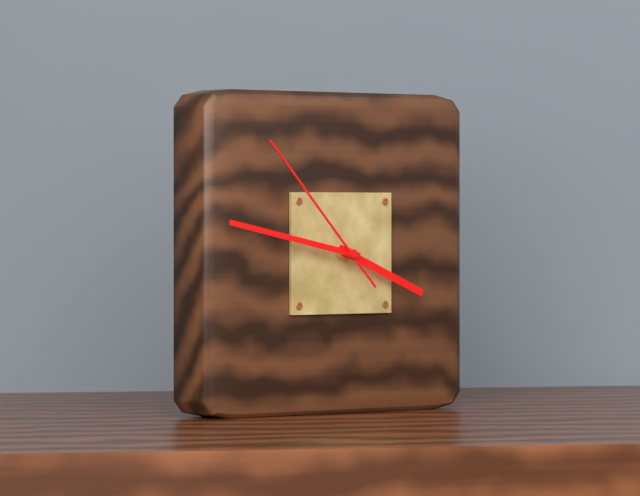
3:47:53
